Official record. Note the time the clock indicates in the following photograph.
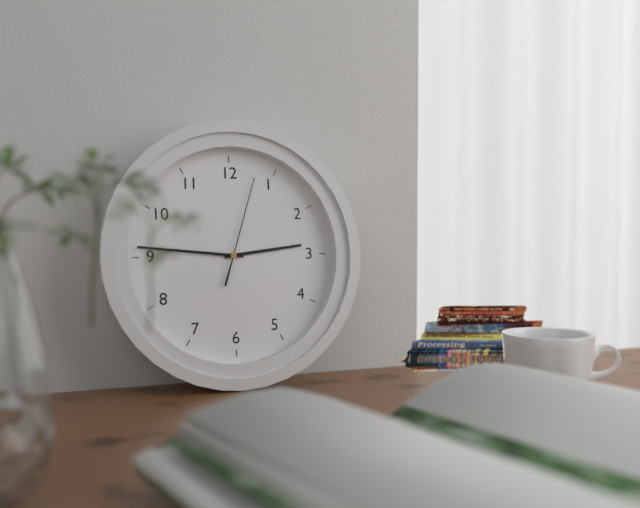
2:46:03
